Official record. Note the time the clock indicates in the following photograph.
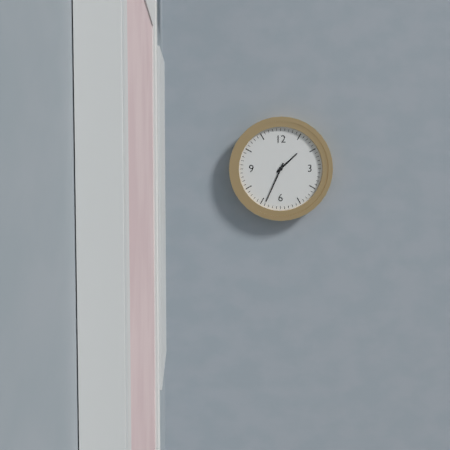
1:34
